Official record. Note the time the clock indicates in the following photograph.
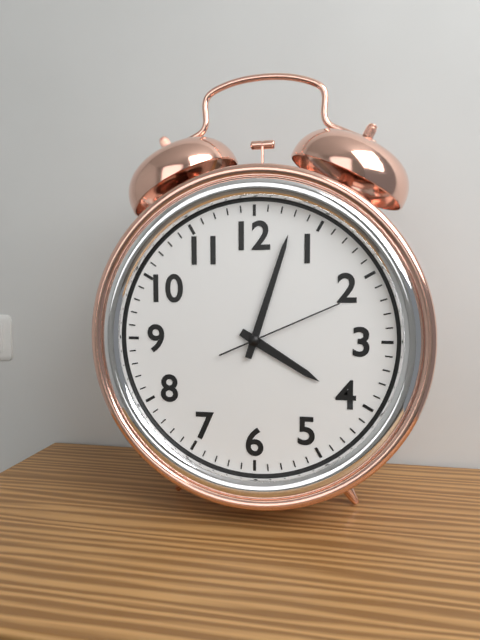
4:03:11
